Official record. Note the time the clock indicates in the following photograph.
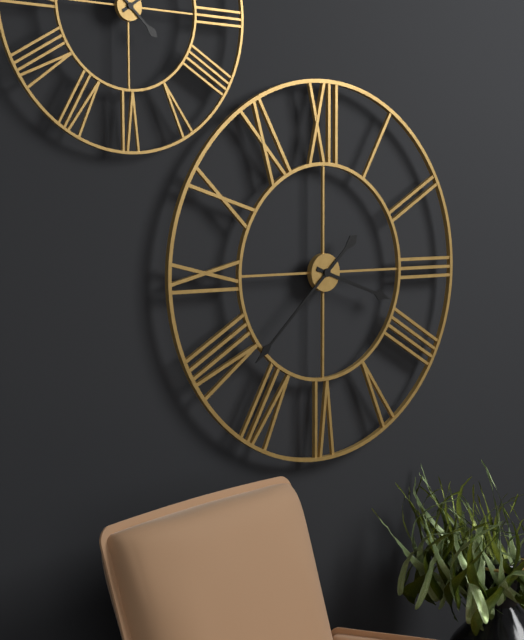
3:38
